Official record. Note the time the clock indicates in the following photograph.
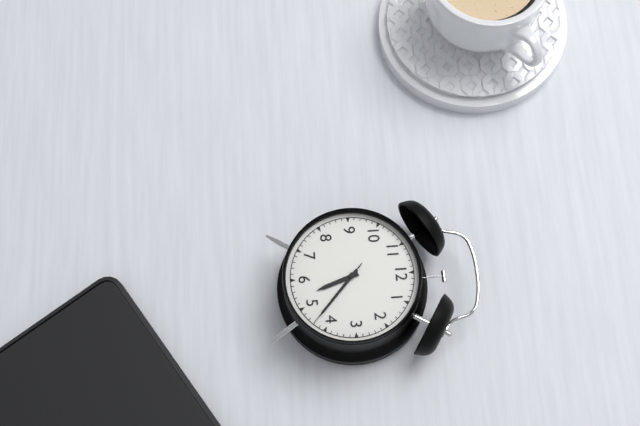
5:22:22
